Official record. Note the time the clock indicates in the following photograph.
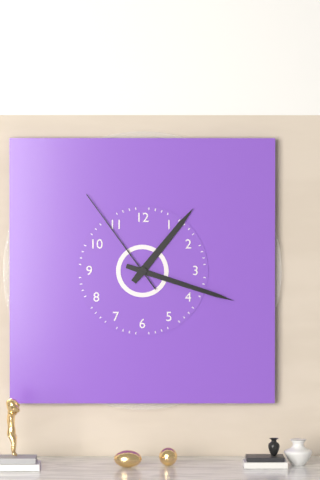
1:18:54
